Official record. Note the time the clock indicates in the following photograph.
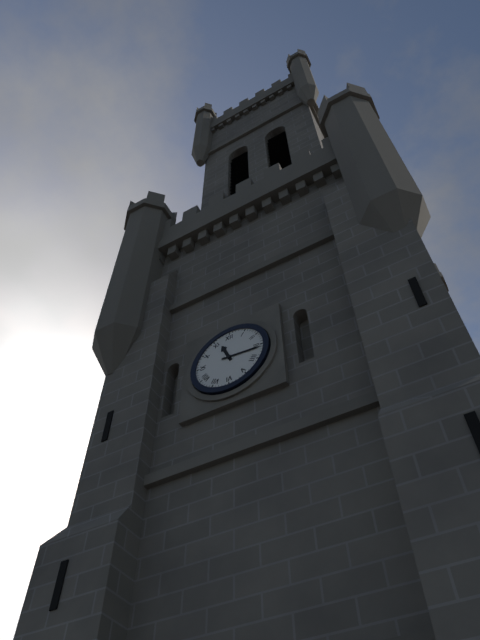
11:16
